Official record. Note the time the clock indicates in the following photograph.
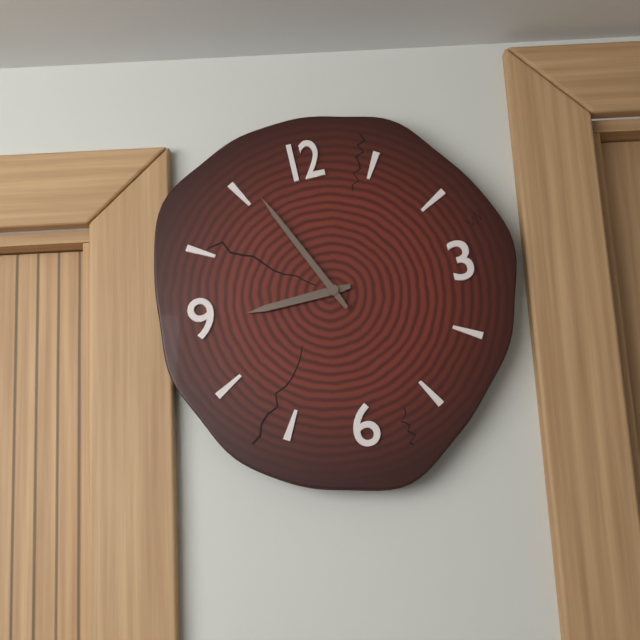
8:56
